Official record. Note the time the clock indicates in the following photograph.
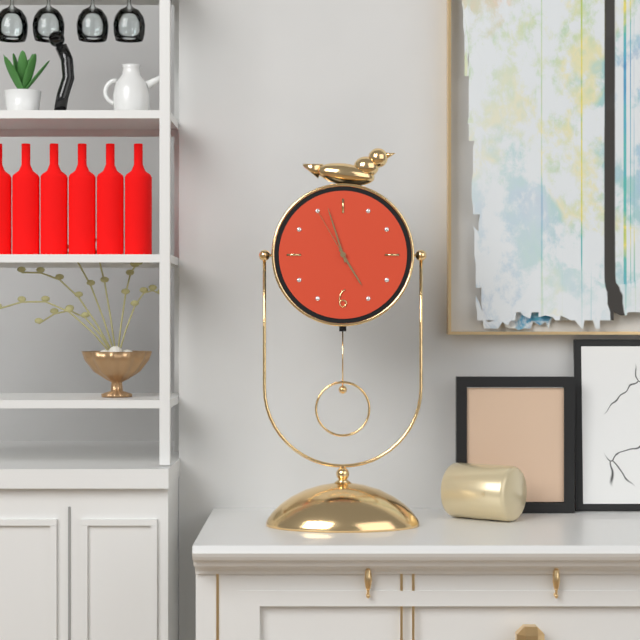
4:57:55
